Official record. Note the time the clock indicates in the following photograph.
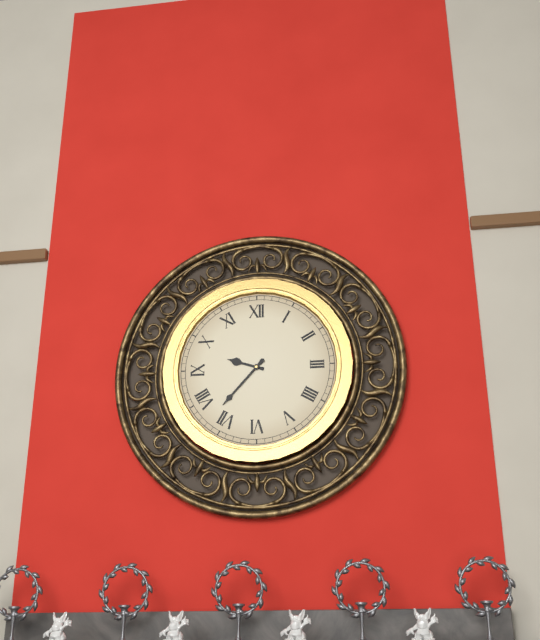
9:37
